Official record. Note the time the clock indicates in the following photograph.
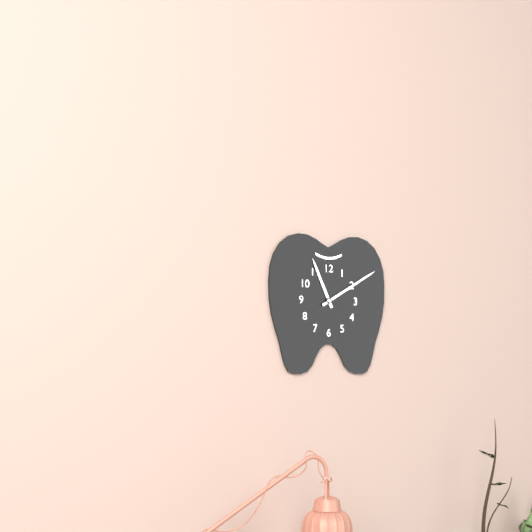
11:10
